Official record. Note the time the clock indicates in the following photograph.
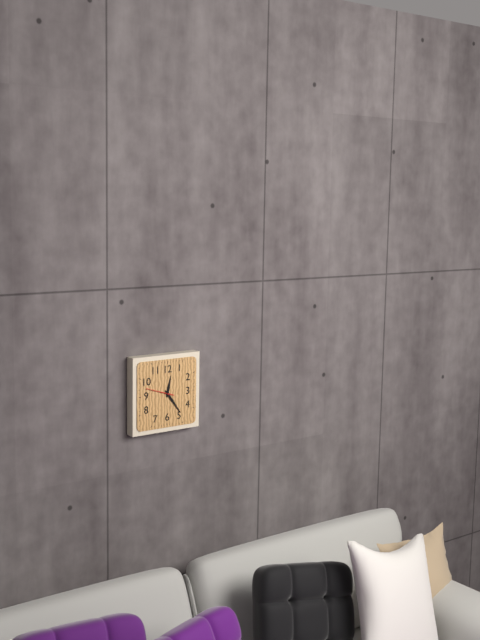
12:24
